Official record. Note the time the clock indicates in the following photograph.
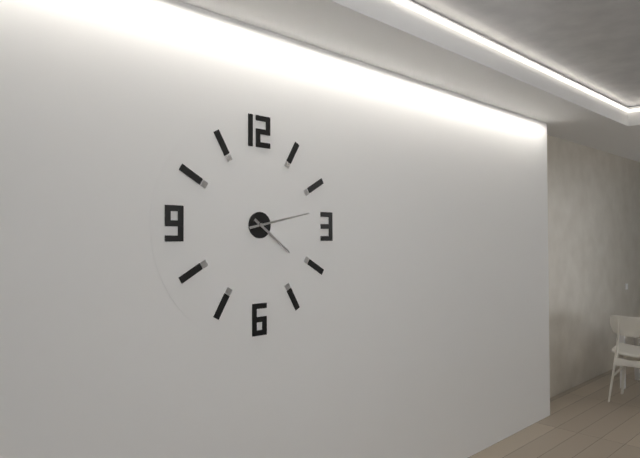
4:13
